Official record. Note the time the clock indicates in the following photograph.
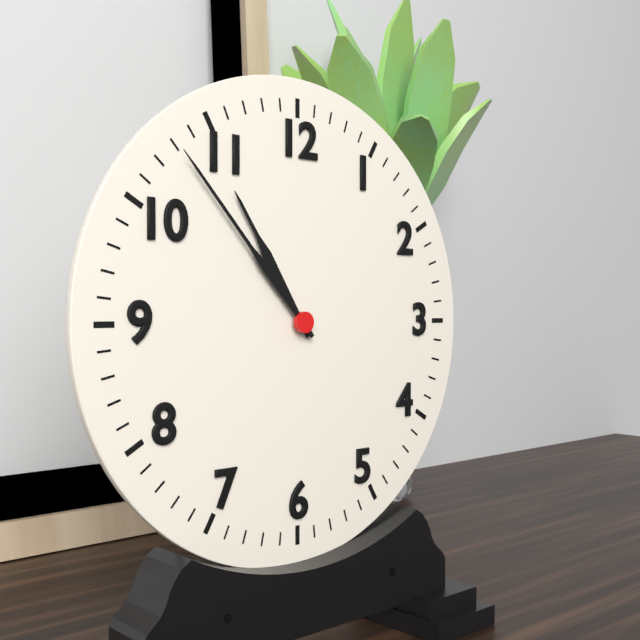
10:53
